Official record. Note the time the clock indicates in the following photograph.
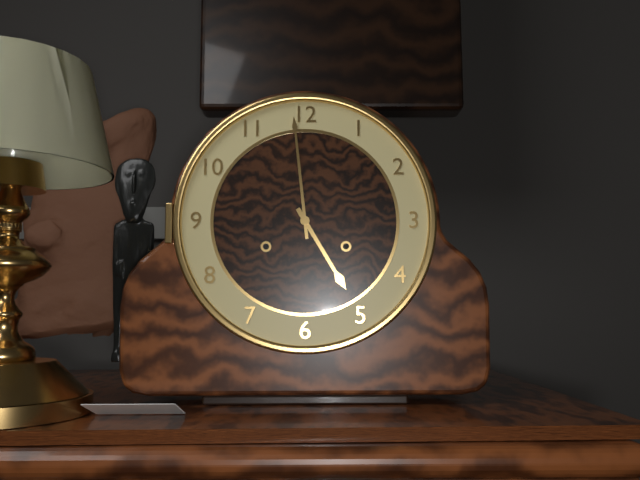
4:59
